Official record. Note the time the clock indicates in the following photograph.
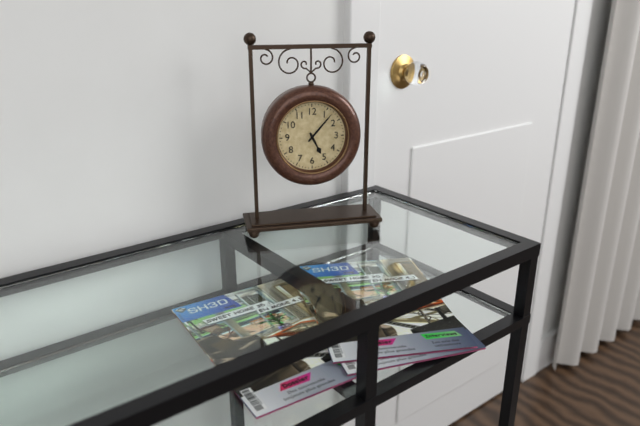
5:07
